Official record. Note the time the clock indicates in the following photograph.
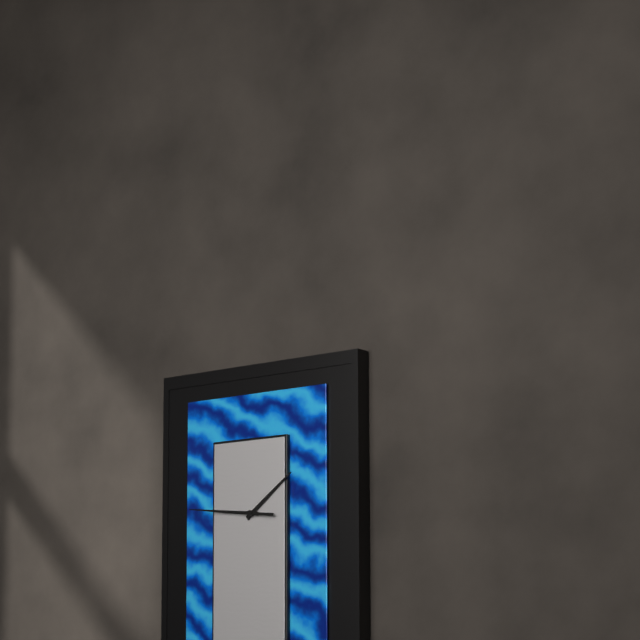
1:46:46
